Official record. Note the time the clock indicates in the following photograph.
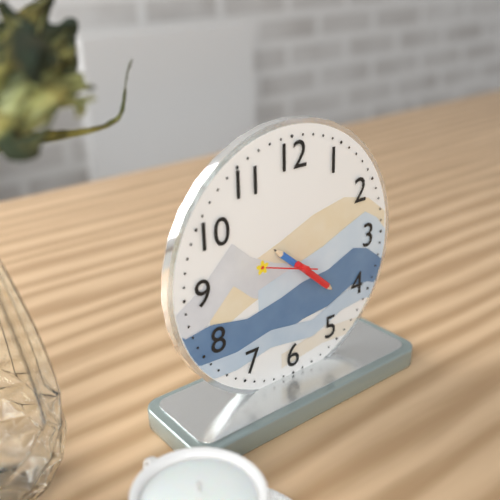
10:22:48
